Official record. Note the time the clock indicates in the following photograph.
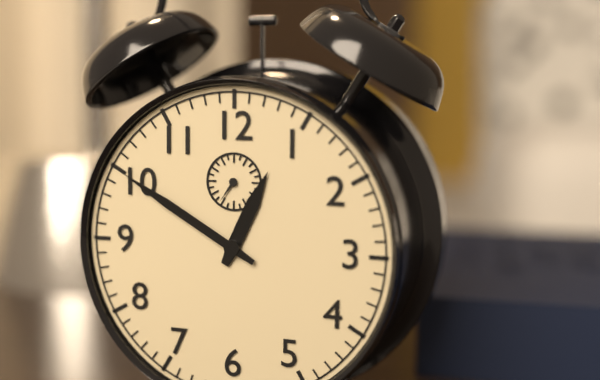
12:50
